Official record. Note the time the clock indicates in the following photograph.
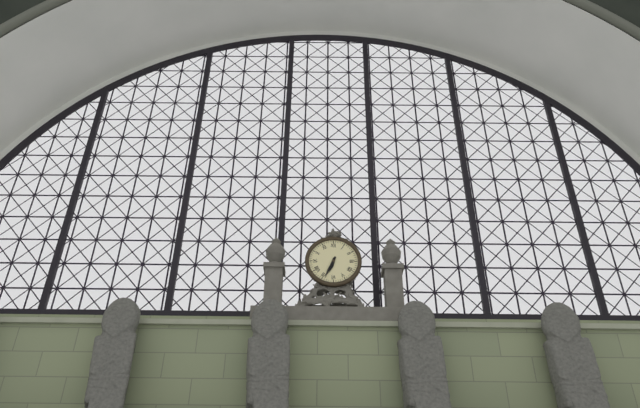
6:34
